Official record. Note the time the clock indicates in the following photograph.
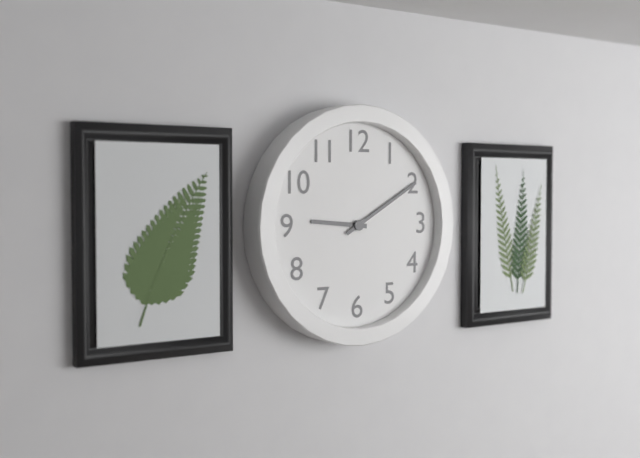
9:10
